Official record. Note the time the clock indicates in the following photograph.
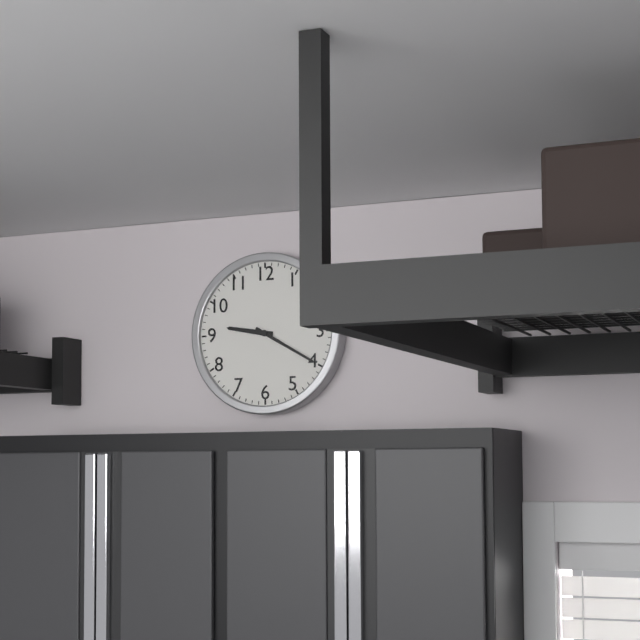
9:20
